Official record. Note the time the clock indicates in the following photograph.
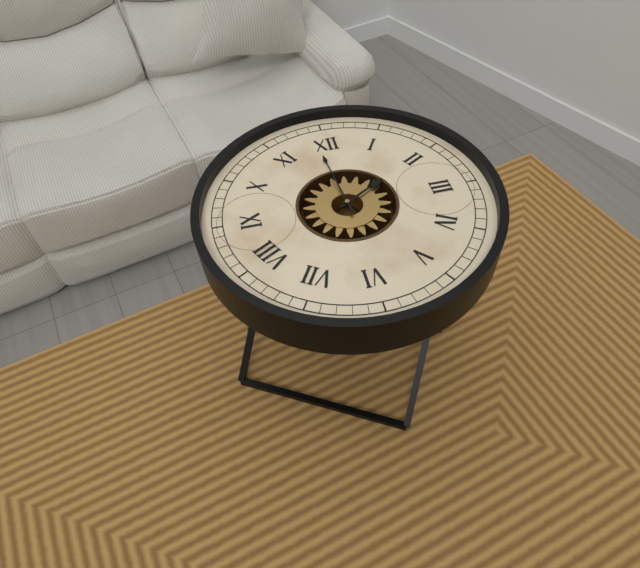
1:59
